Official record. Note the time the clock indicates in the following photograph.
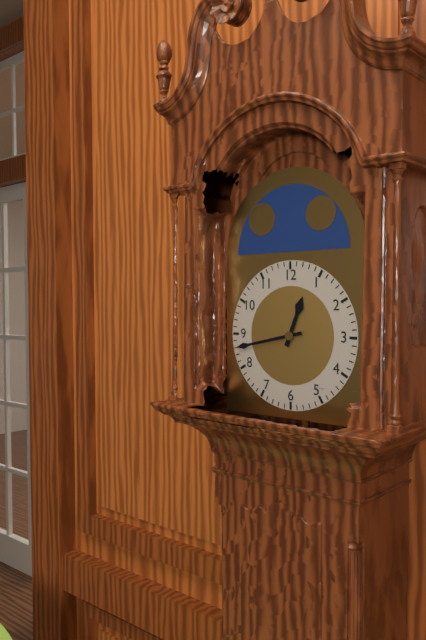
12:43
